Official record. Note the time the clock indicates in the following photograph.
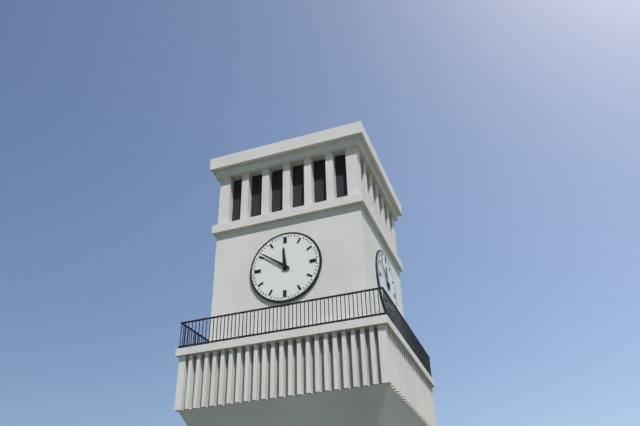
11:51
